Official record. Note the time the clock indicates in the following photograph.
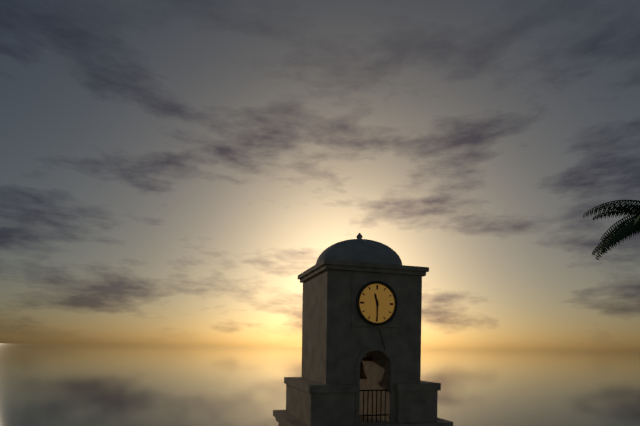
11:30
